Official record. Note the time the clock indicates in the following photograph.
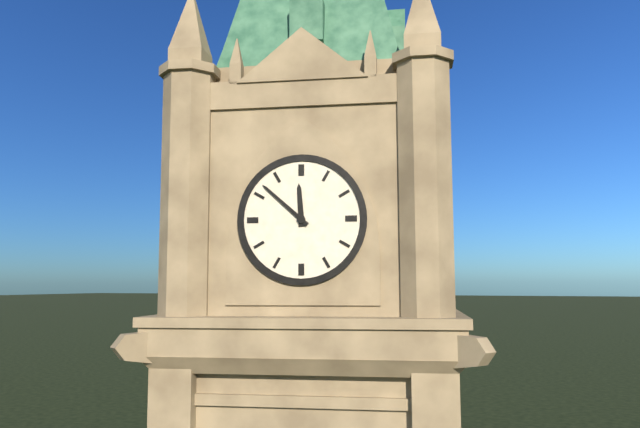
11:52
